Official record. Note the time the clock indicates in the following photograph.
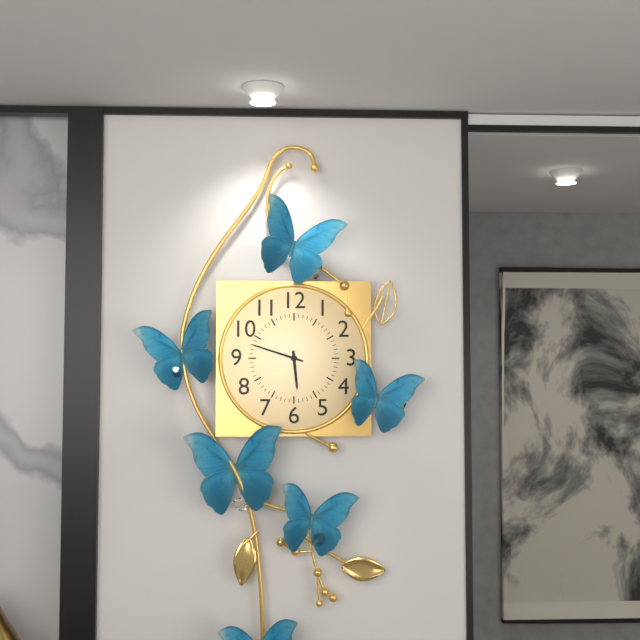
5:48
